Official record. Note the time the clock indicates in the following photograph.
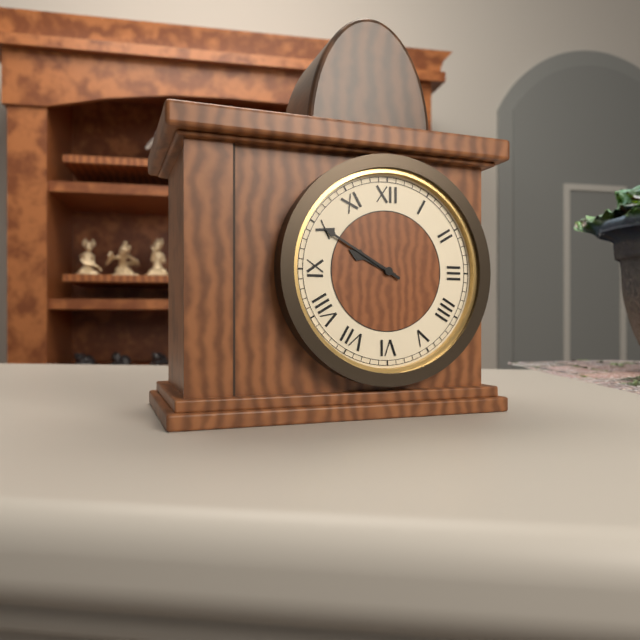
9:50
